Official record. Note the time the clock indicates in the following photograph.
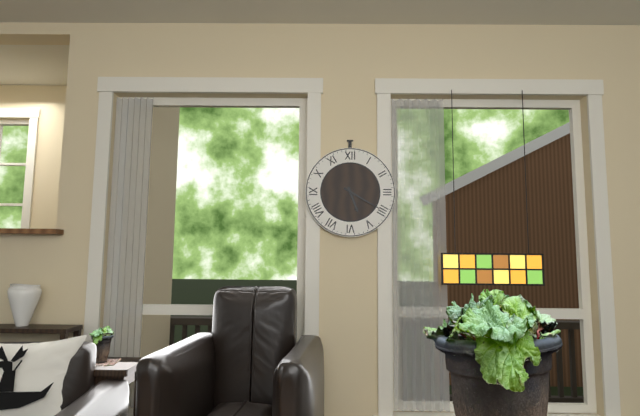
5:20
